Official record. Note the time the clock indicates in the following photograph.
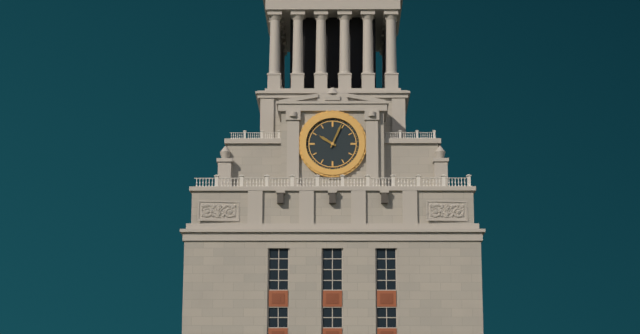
10:04
